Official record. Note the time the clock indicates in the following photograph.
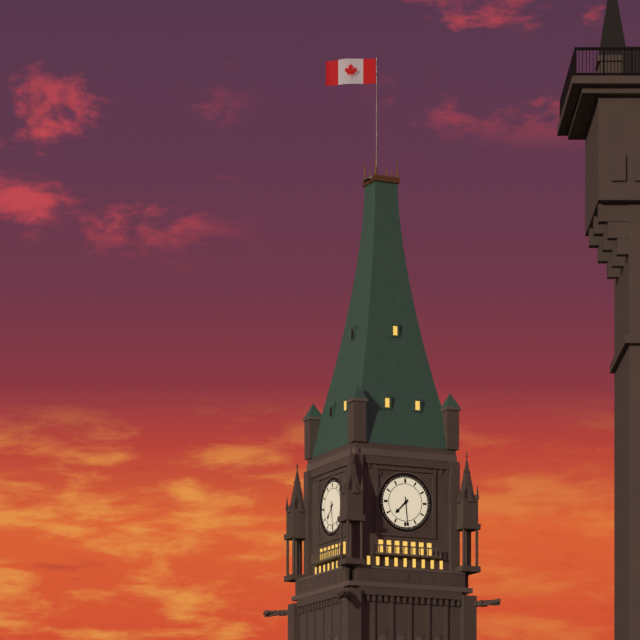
7:29
